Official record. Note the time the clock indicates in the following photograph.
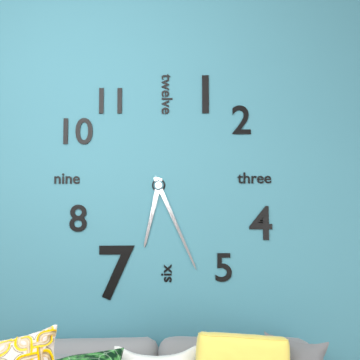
6:26
